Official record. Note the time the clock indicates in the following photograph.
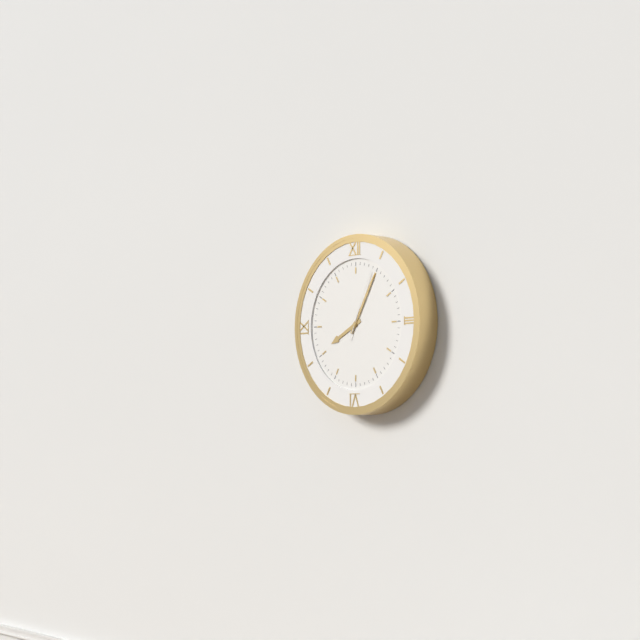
8:05:04
